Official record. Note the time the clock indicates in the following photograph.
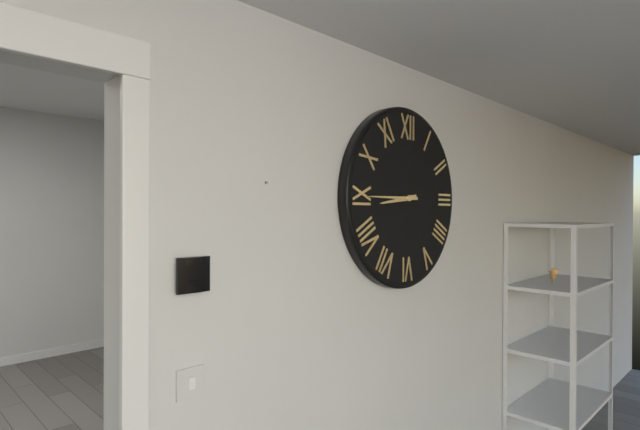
8:45
